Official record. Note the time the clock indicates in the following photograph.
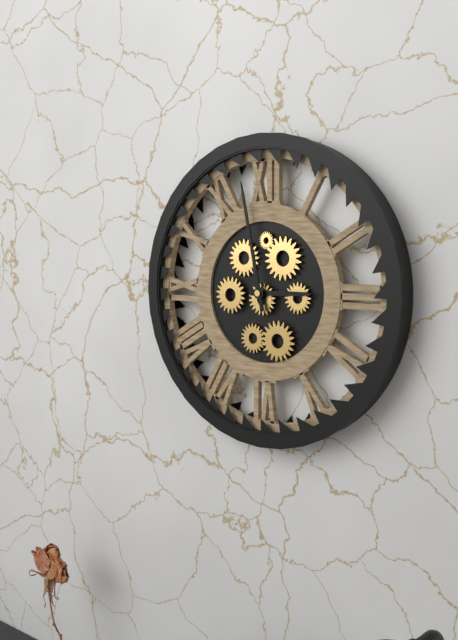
2:58
